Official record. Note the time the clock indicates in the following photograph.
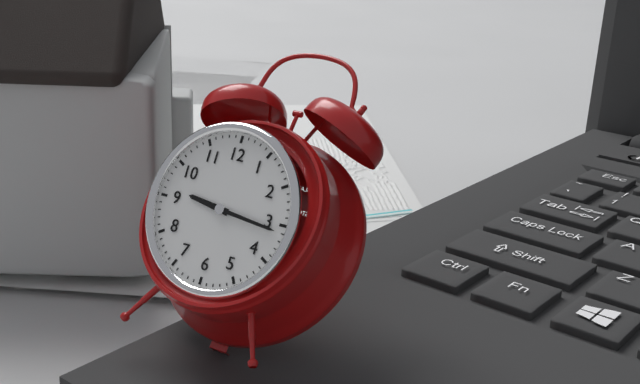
9:16
